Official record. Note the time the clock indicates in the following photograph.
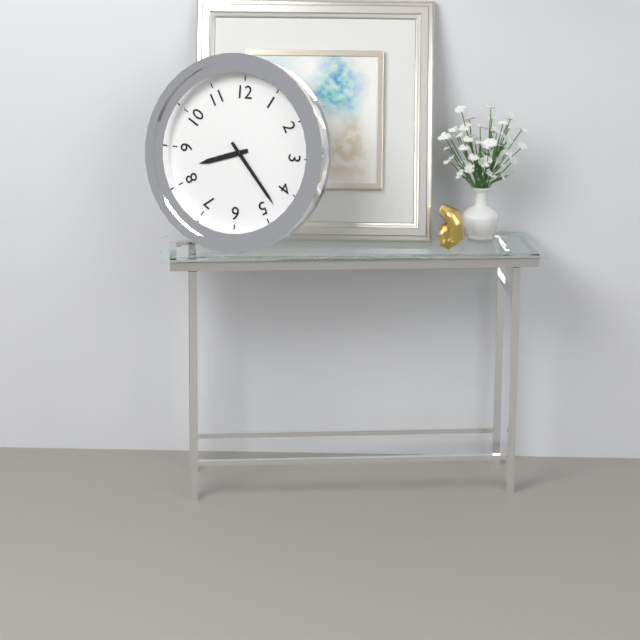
8:23
